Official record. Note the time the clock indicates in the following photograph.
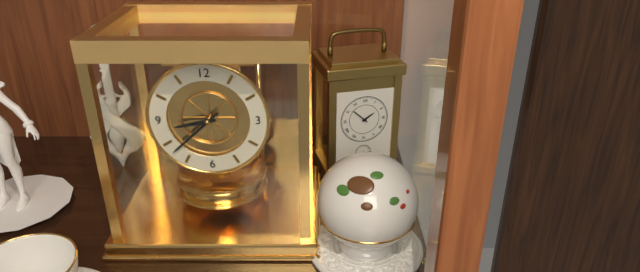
8:38
